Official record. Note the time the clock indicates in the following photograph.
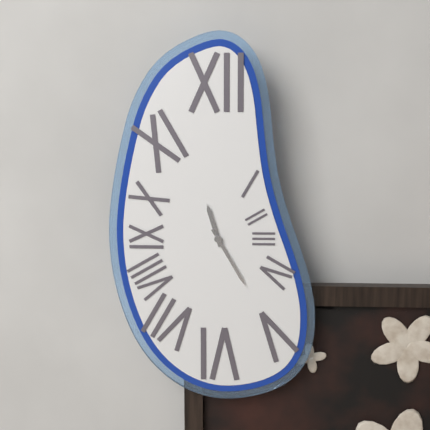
11:25
